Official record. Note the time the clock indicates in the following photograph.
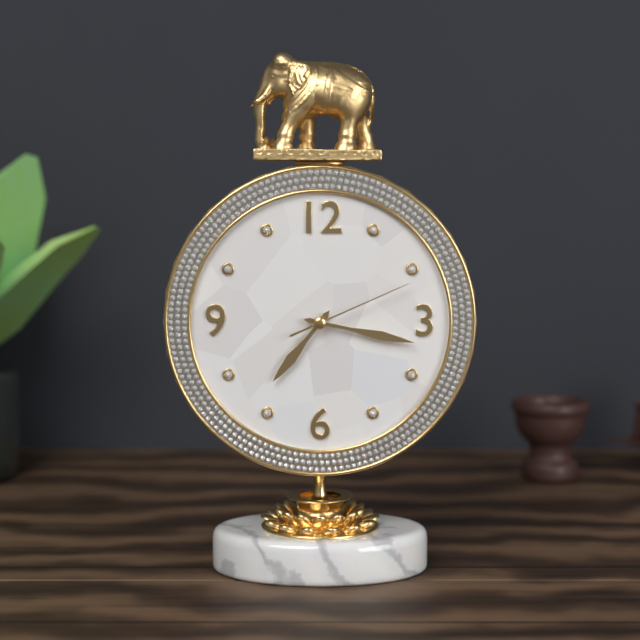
7:17:11
